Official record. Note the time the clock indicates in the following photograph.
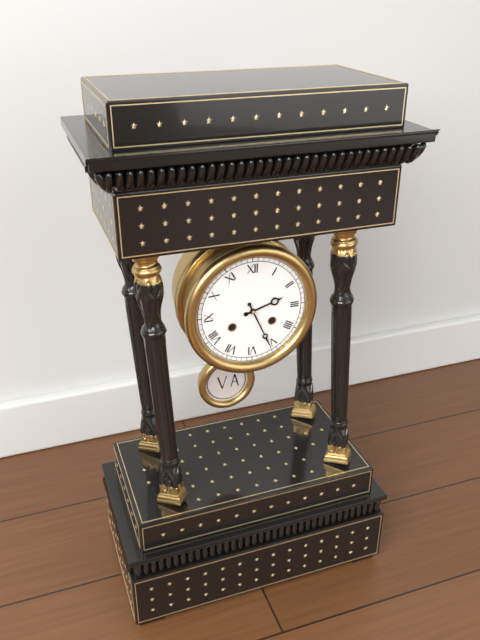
2:26
